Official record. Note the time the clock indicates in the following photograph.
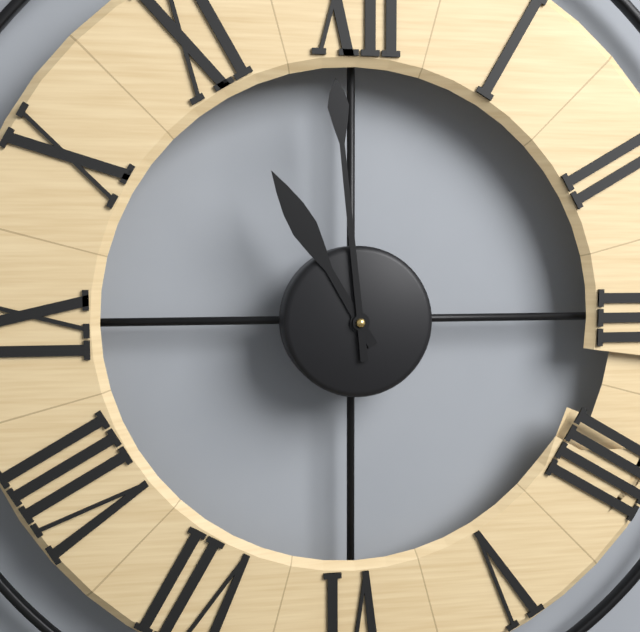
10:59
